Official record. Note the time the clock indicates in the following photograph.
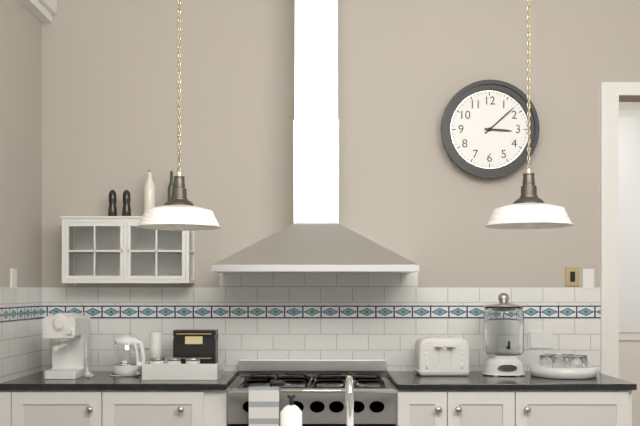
3:08
